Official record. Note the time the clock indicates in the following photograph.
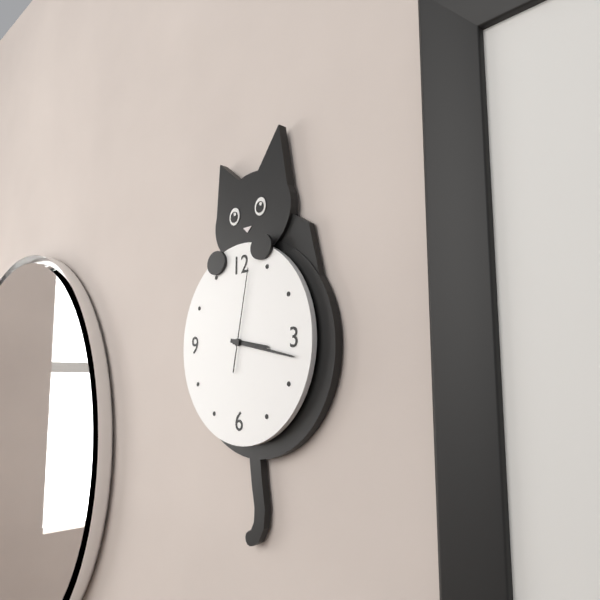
3:17:02
